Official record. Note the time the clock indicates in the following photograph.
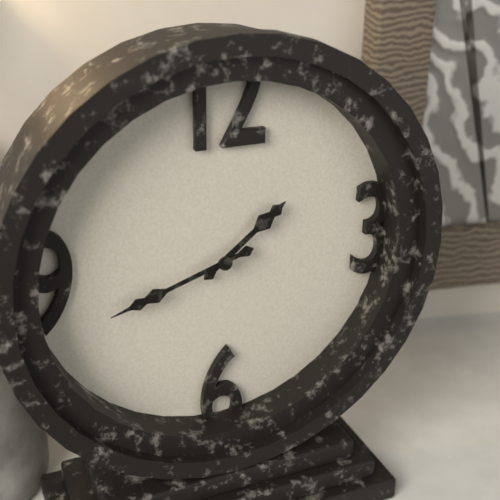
1:42
